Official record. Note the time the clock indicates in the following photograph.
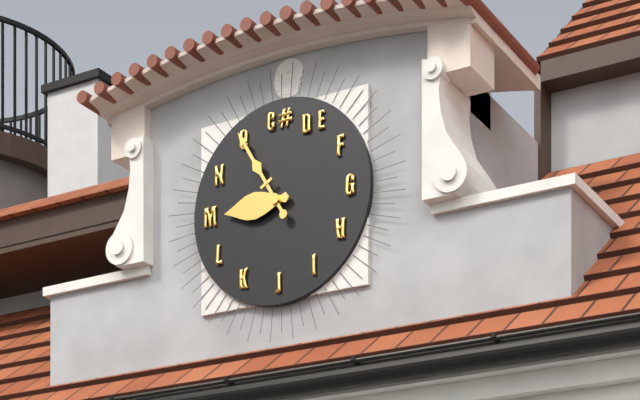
8:55
